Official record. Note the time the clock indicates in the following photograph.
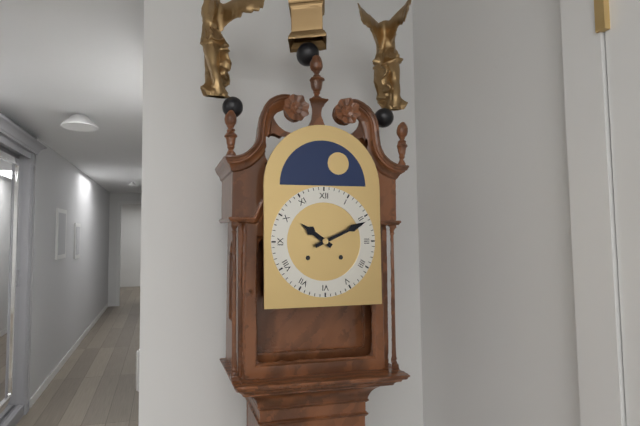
10:11
